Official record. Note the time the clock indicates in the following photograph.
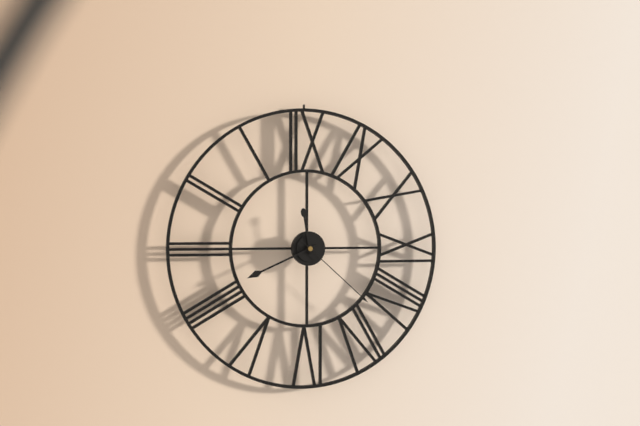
11:41:22
